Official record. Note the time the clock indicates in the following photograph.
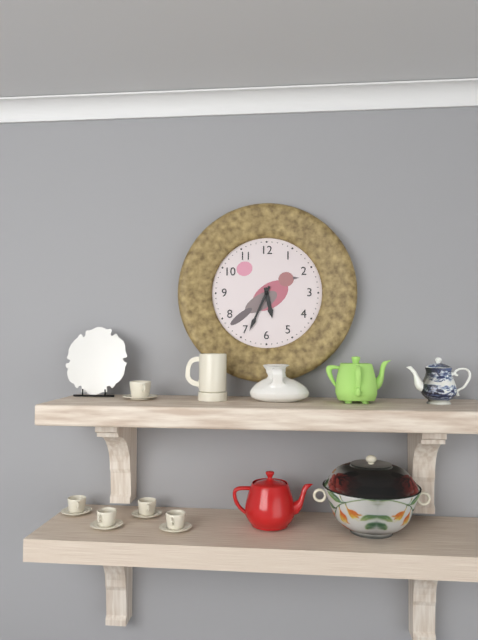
5:34
